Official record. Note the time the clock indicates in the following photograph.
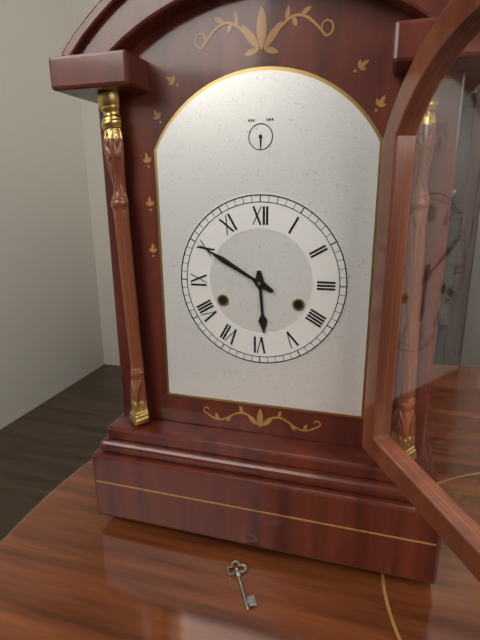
5:50
